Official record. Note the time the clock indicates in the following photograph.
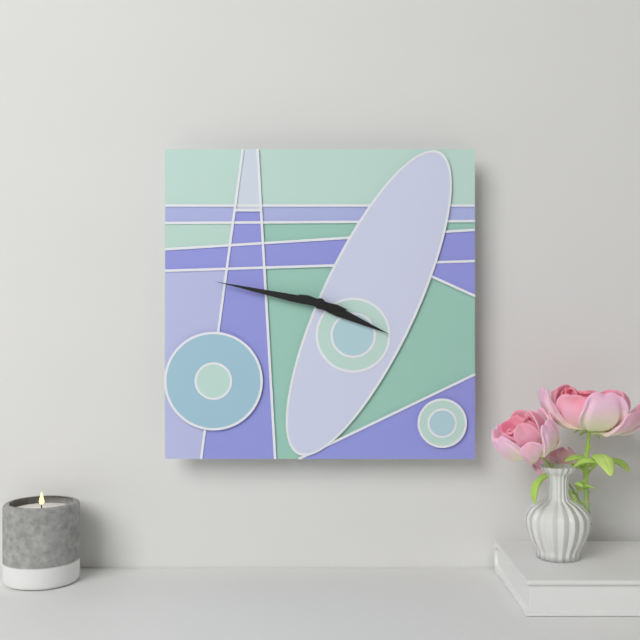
3:47
